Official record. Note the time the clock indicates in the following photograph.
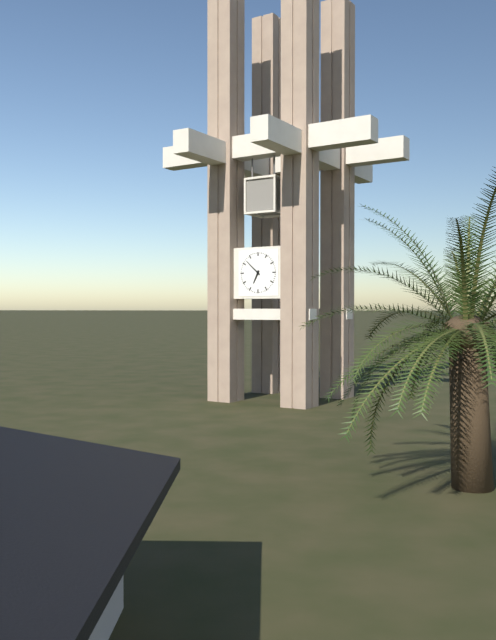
6:52
